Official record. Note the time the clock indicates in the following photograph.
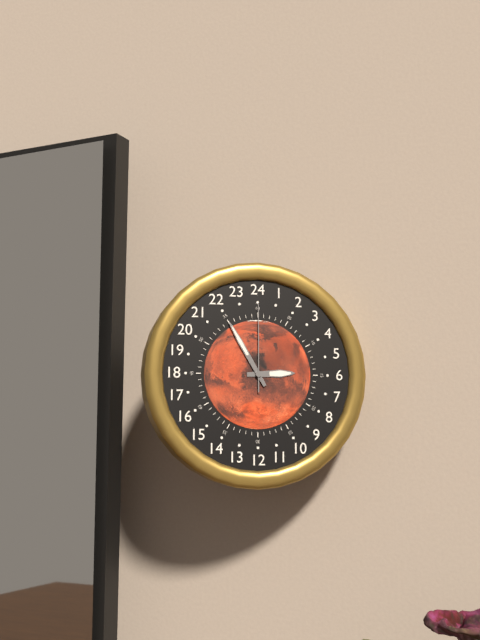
2:55:00
